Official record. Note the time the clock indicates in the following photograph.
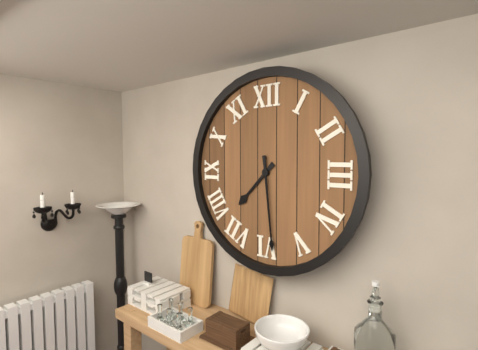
7:29
